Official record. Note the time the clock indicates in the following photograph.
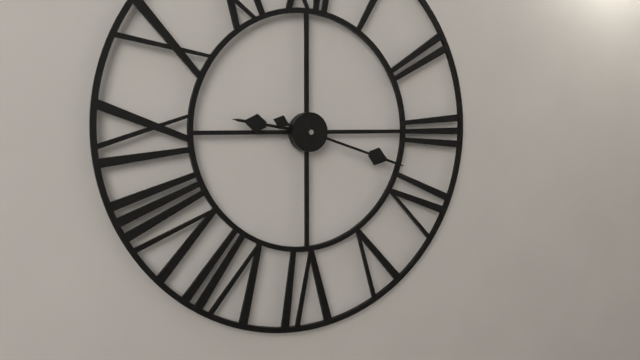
9:18
